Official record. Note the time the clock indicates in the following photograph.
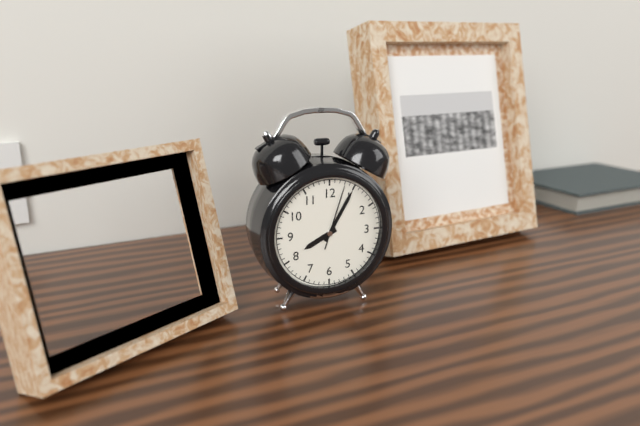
8:05:03
